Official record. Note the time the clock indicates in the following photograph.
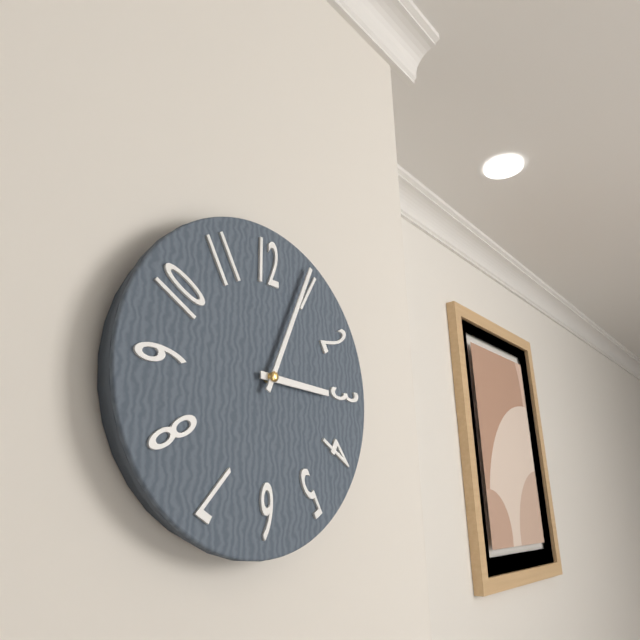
3:04
